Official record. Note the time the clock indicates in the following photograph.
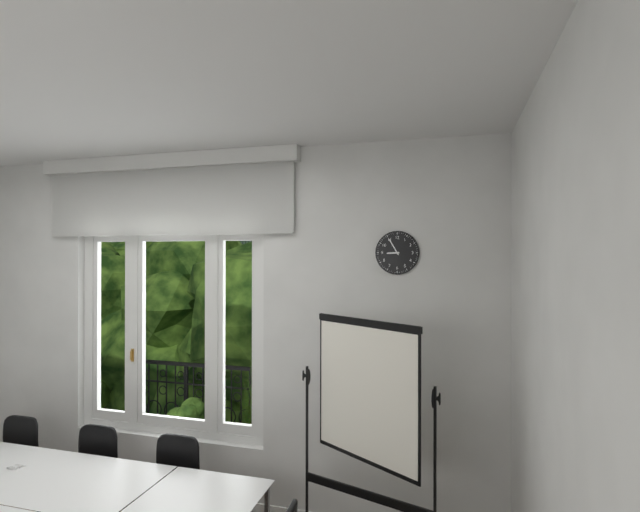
8:55
